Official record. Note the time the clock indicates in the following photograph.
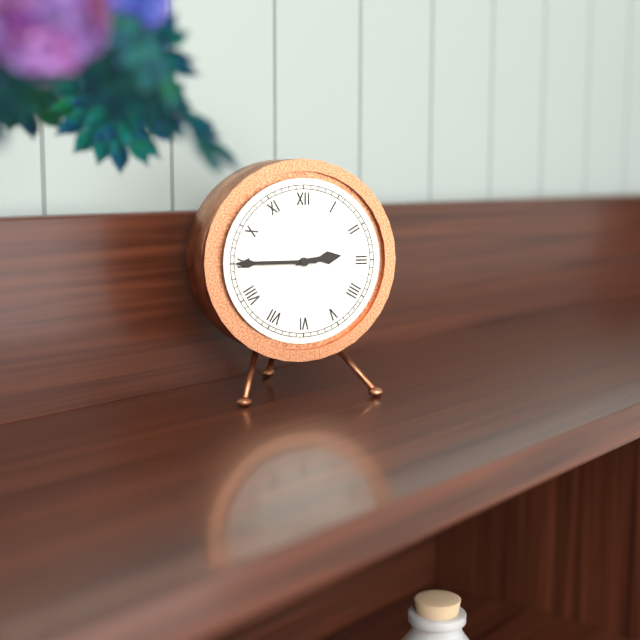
2:45
